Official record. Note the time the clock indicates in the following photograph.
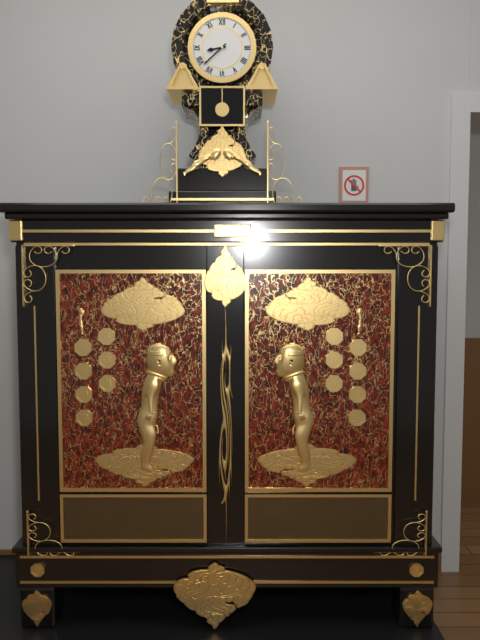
8:38
